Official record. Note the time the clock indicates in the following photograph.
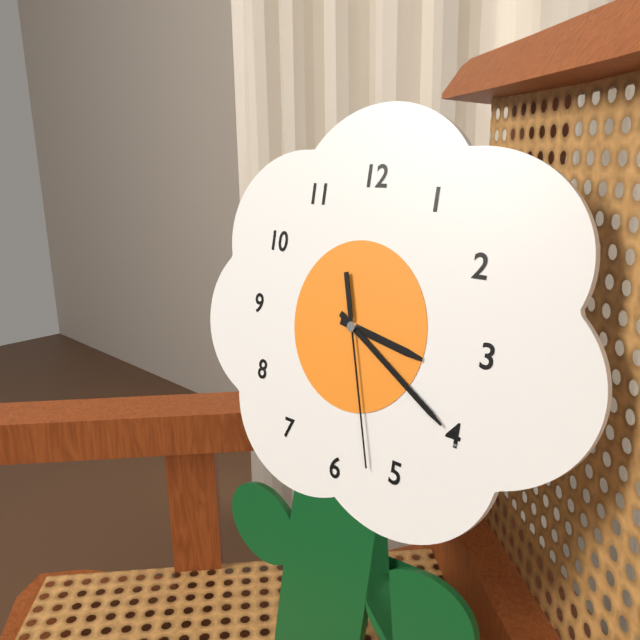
3:20:27
